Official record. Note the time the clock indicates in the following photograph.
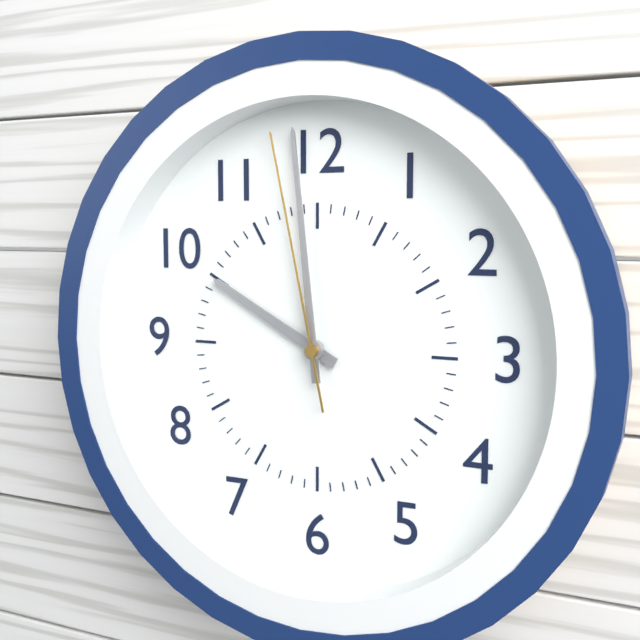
9:59:58
